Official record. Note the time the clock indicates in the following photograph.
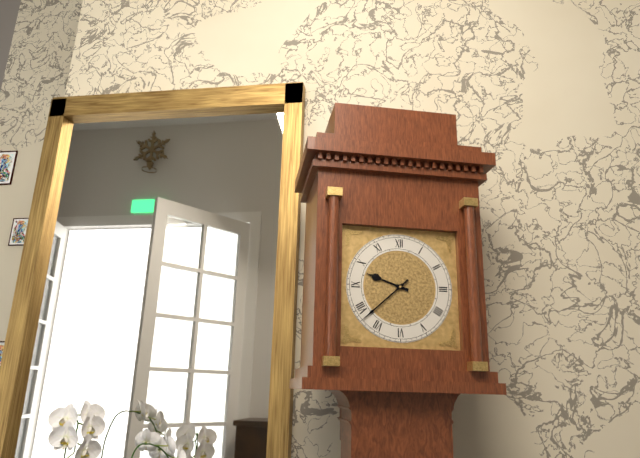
9:38
